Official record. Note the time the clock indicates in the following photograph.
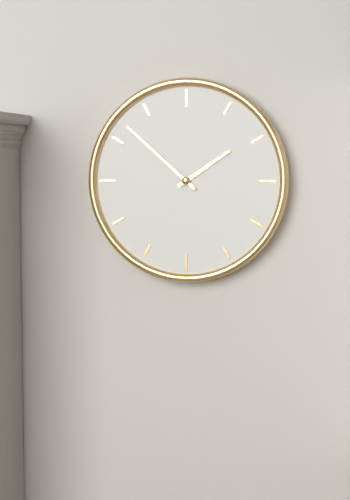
1:52
